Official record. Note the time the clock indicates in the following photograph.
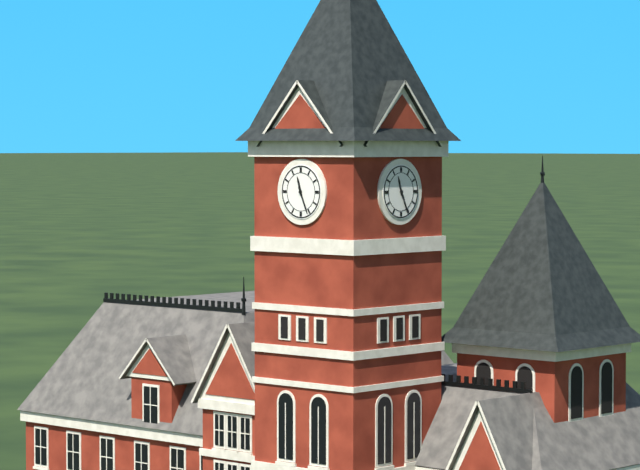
11:26
